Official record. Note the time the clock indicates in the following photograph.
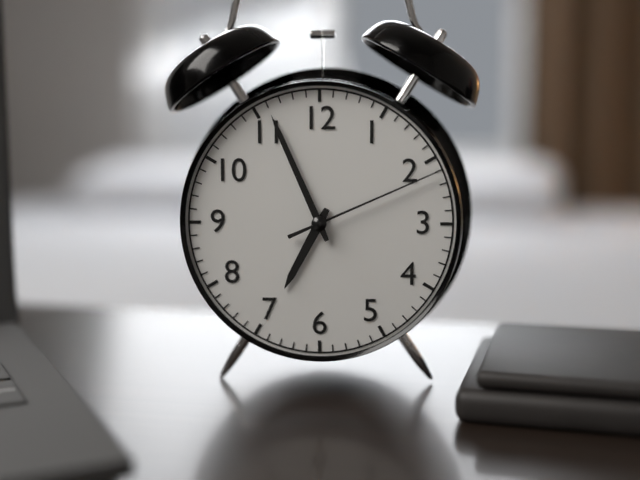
6:56:11
